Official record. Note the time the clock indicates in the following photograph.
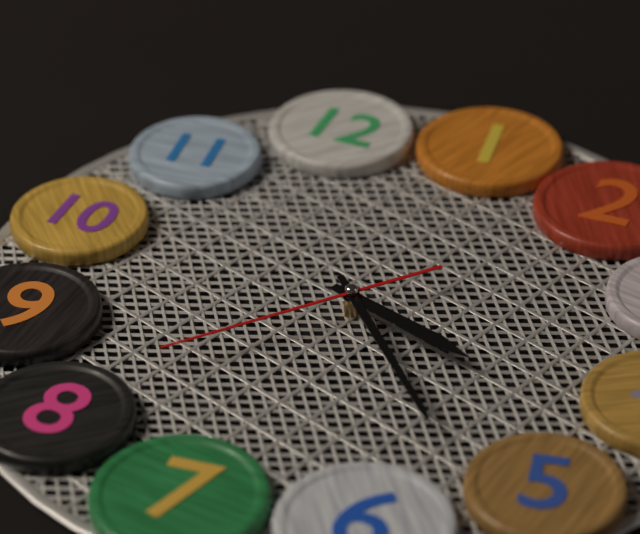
4:27:41
